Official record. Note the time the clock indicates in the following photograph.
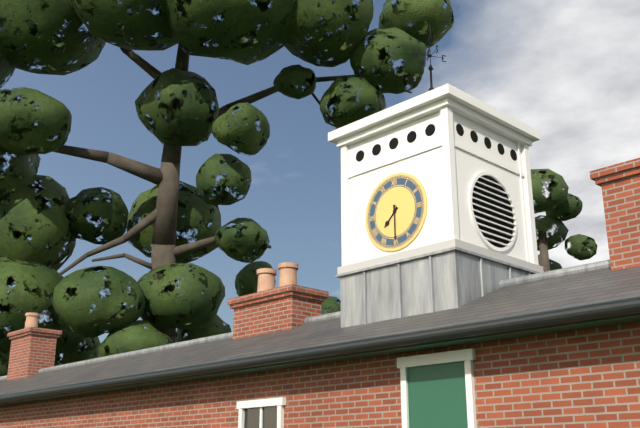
7:30
